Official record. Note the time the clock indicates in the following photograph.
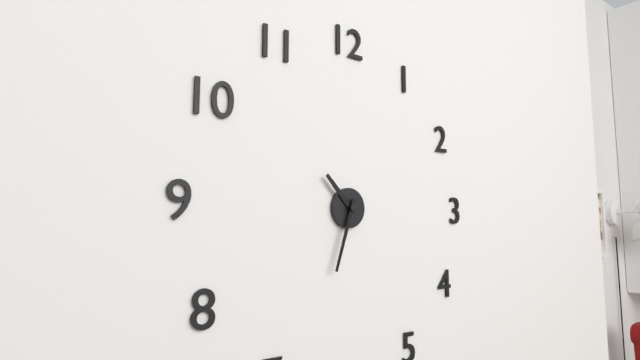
10:33
